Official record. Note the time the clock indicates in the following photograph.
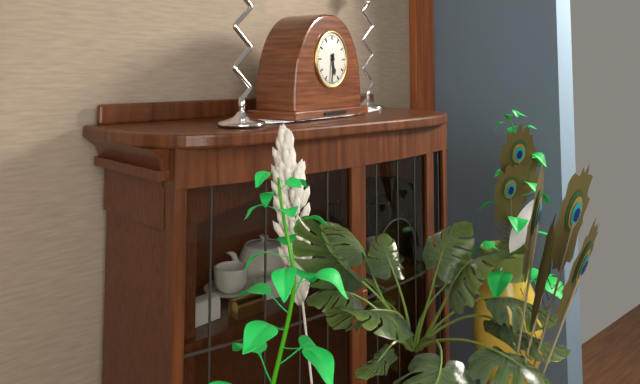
5:31
